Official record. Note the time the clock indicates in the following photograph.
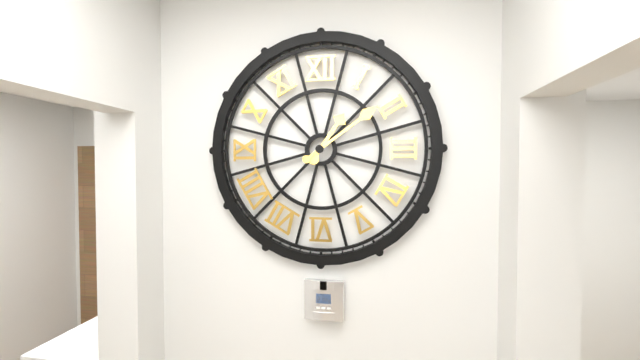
1:09
